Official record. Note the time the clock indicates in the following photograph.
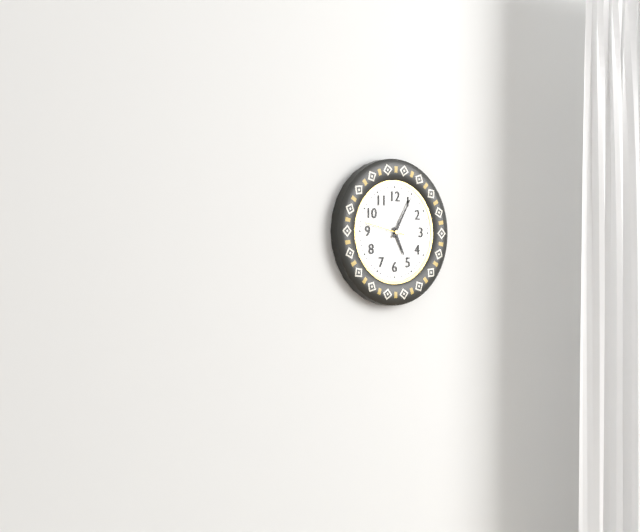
5:05
